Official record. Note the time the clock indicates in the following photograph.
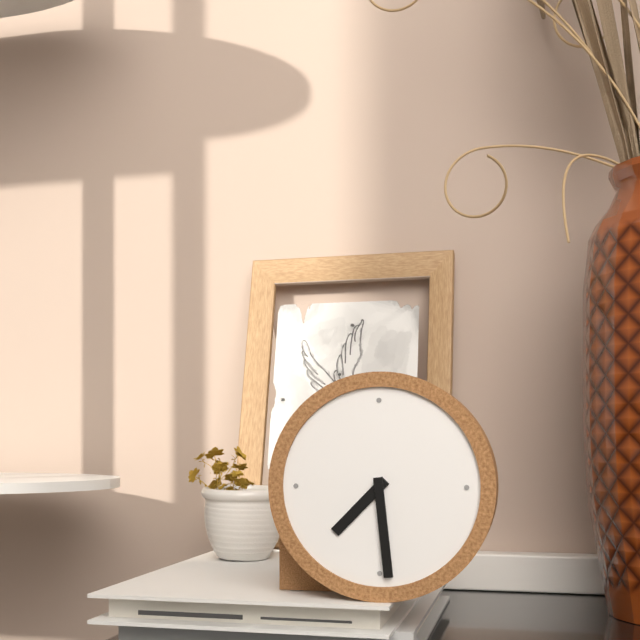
7:29
